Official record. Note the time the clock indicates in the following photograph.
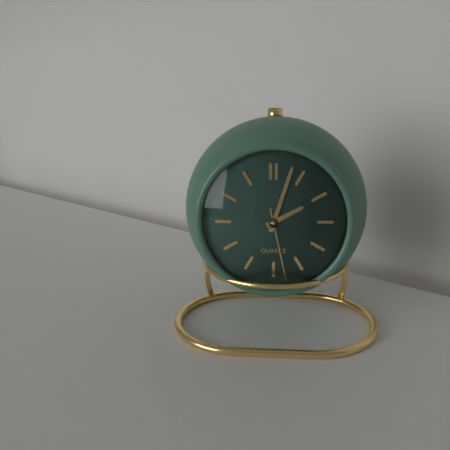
2:03:28
